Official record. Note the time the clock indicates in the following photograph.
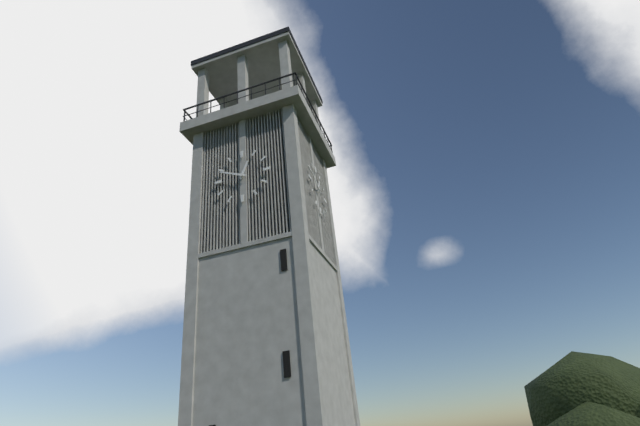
12:49
